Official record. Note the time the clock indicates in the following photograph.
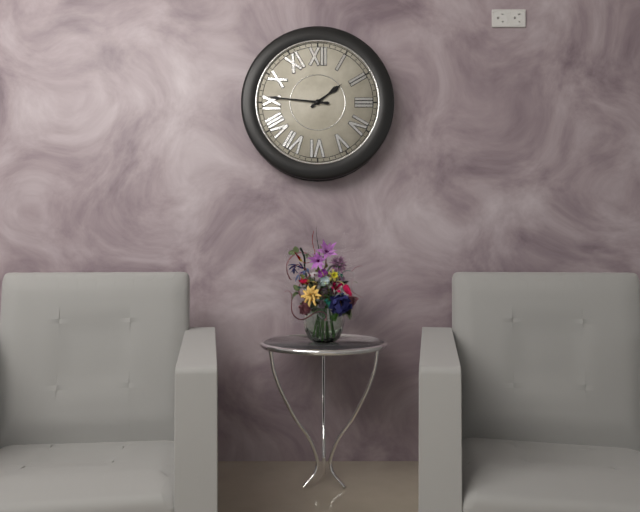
1:46
